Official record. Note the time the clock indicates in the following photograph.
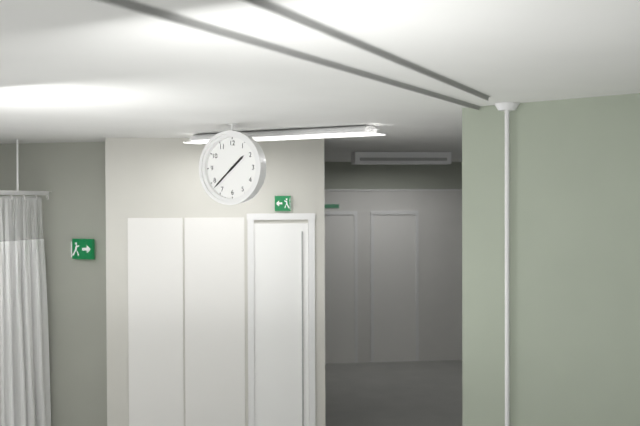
1:38
